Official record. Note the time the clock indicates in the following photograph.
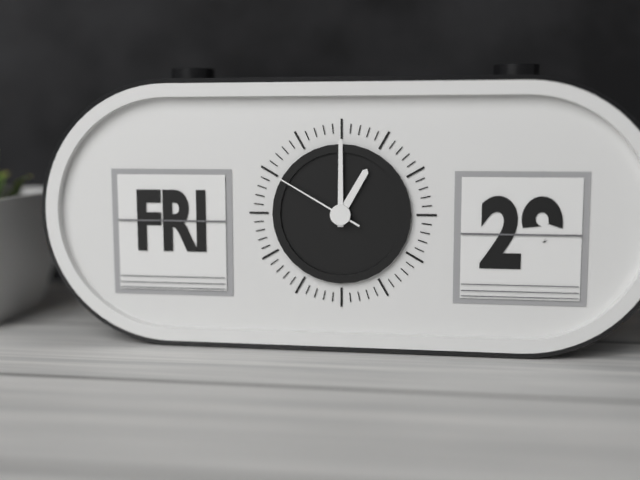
1:00:50
